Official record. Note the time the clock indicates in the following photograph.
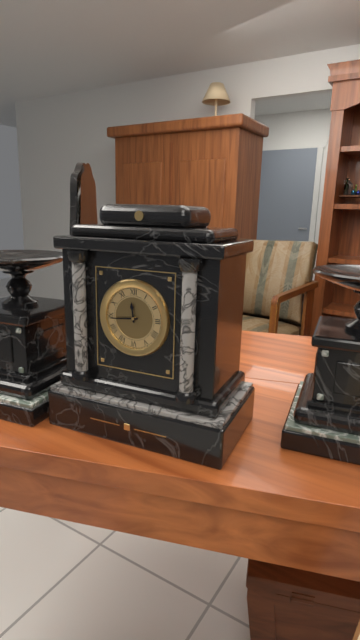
11:44
